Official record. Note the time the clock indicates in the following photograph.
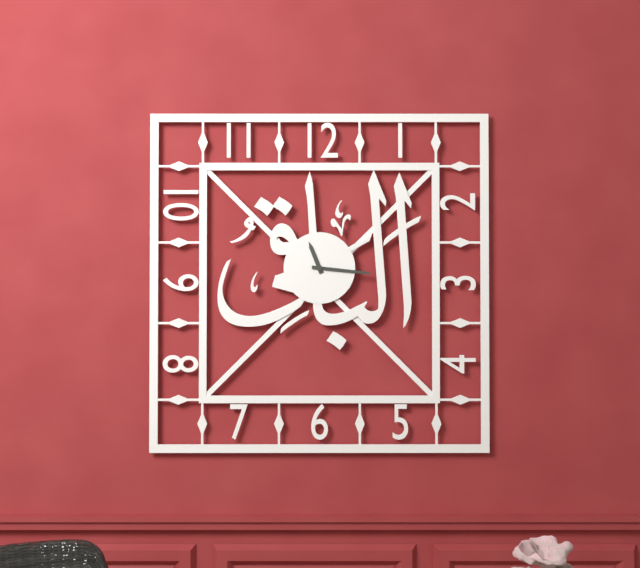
11:16
